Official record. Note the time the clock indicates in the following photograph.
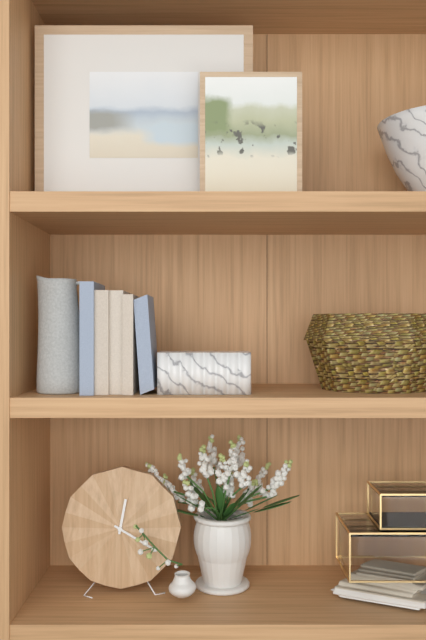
12:20
